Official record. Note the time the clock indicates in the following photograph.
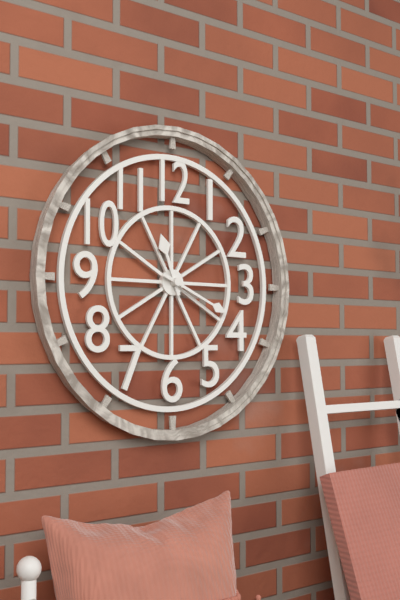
11:19
